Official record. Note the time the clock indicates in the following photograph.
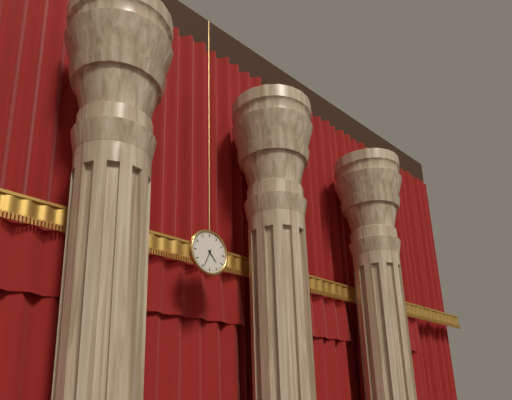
4:34
